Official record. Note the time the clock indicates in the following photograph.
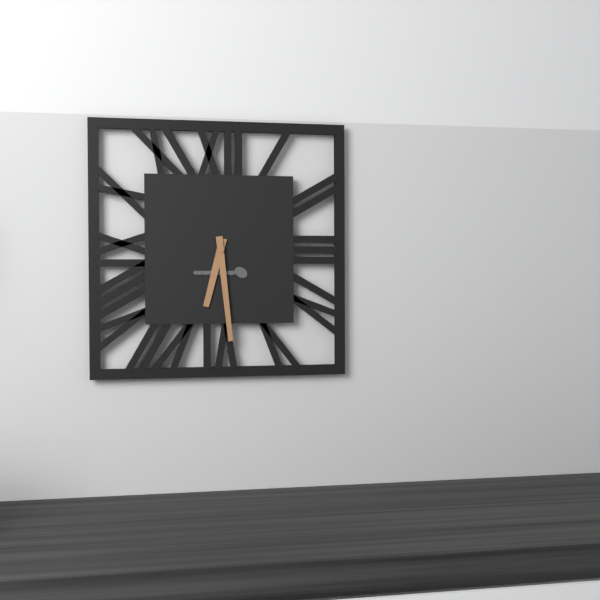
6:29
